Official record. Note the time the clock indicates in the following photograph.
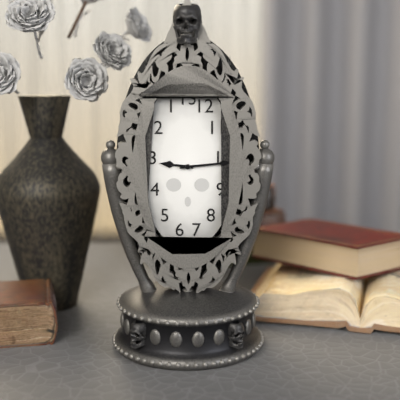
9:14
